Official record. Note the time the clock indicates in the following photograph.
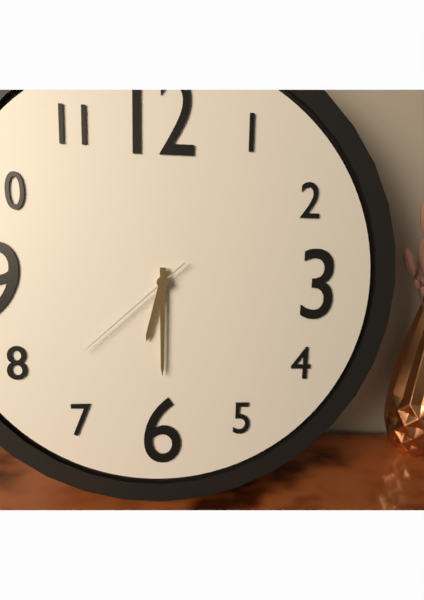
6:30:38
